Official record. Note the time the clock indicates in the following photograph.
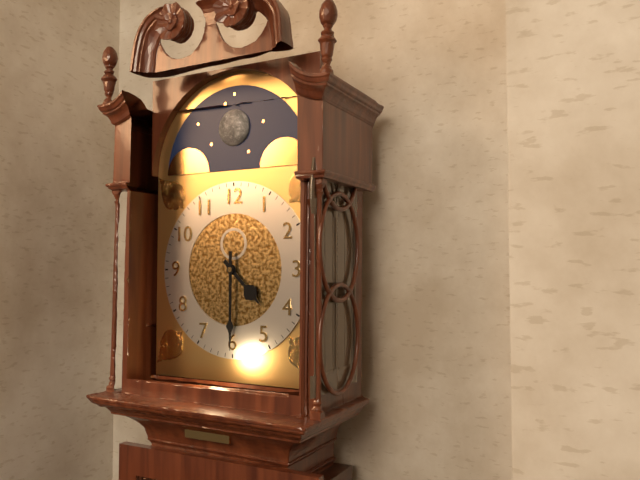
4:30
